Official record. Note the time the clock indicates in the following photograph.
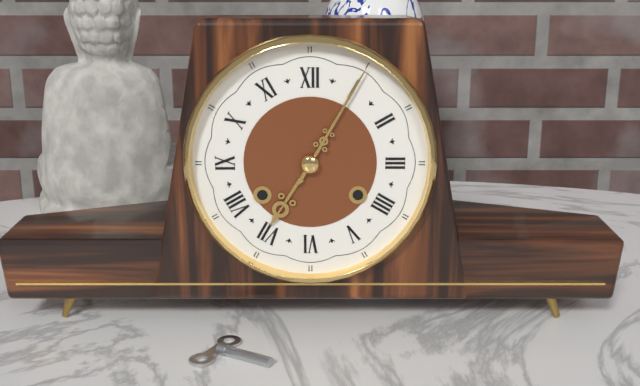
7:05
